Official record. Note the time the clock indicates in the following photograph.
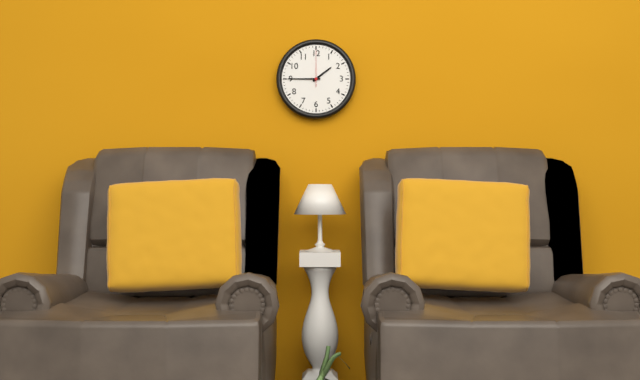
1:45
